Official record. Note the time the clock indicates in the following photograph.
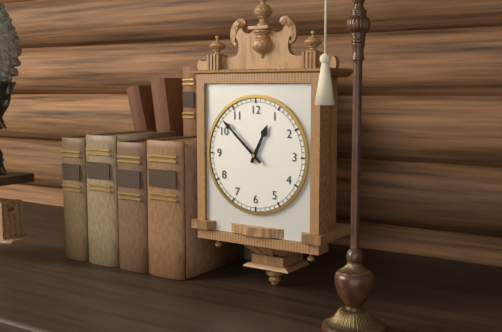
12:52
